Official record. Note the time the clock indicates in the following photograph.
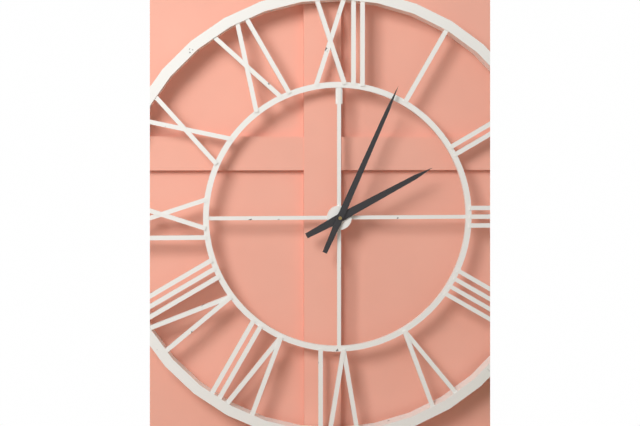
2:04
